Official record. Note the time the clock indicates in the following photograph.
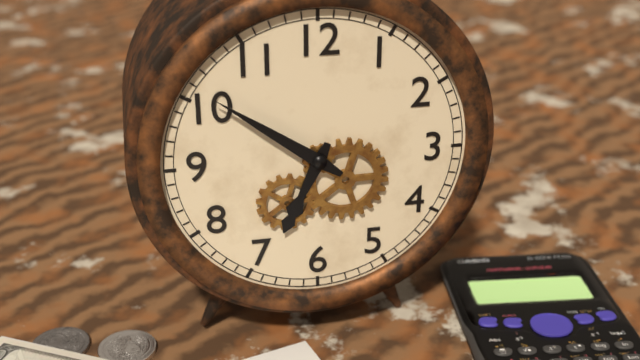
6:51
